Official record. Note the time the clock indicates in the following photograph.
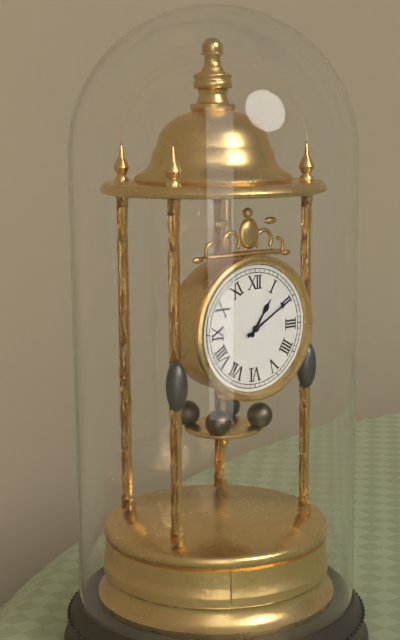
1:10
